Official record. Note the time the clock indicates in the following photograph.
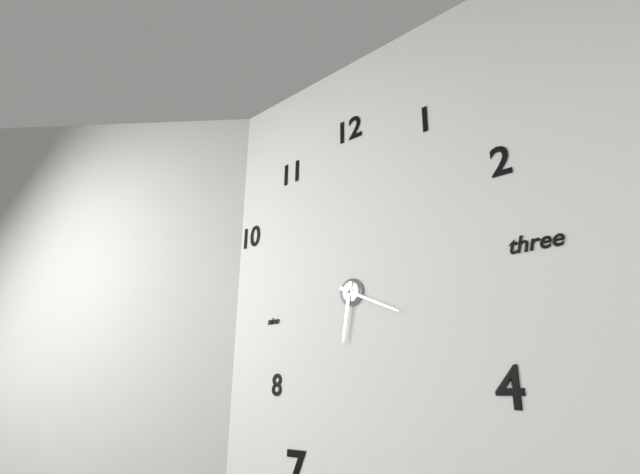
6:19
